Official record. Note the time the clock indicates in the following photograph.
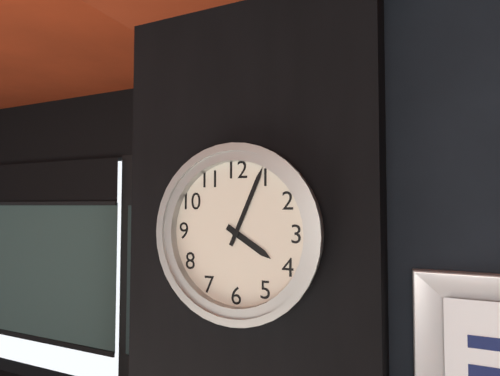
4:04
